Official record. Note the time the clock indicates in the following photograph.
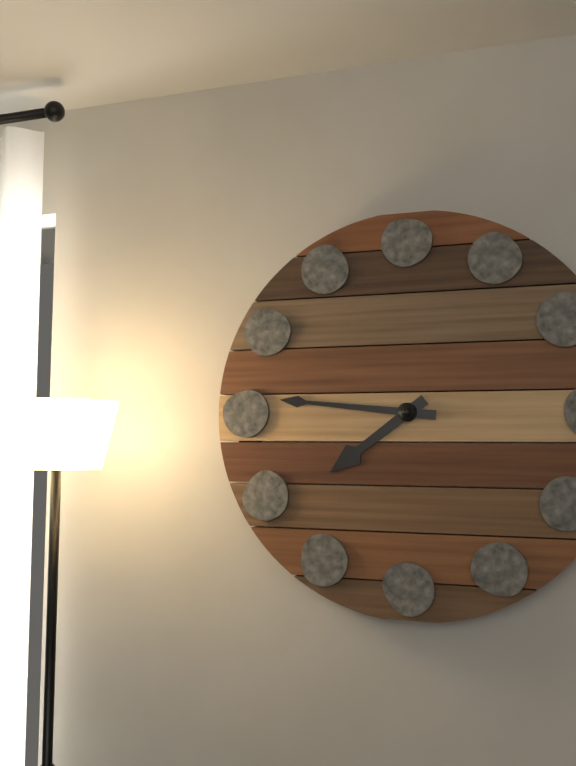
7:46
